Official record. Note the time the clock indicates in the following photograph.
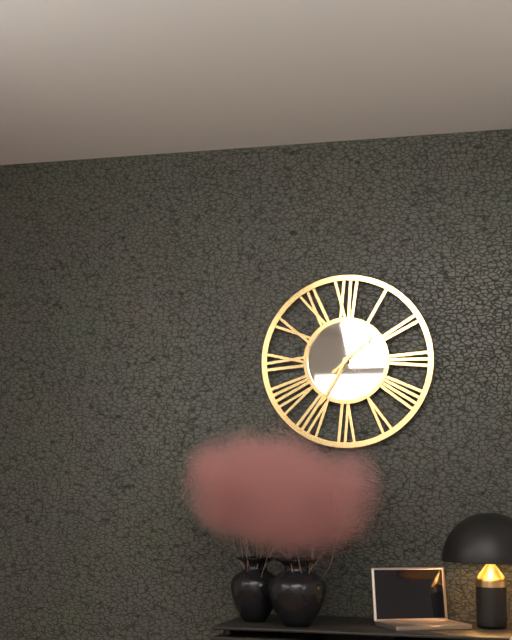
1:35
